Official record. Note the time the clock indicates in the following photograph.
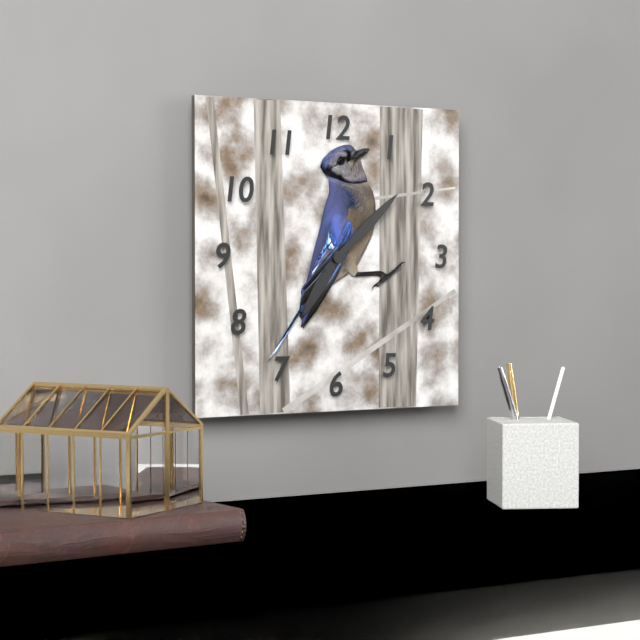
7:08
